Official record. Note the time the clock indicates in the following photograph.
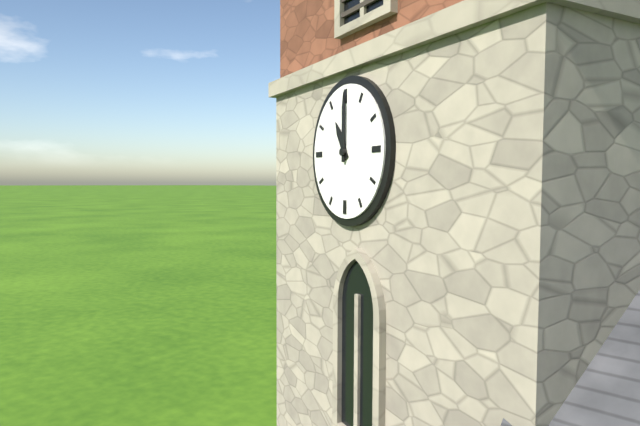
11:00
